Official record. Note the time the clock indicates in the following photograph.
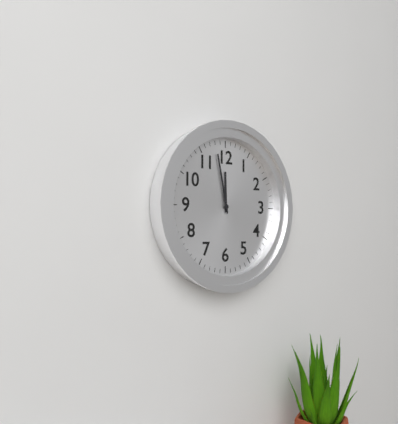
11:58
